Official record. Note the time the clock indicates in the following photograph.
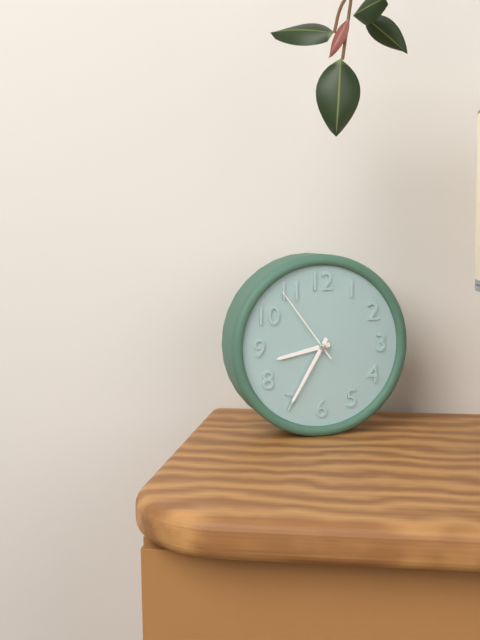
8:35:54
